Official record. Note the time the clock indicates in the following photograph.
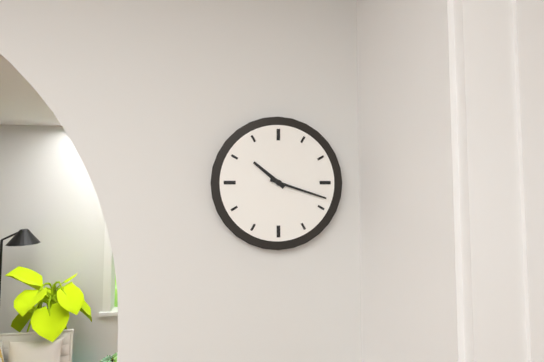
10:18
